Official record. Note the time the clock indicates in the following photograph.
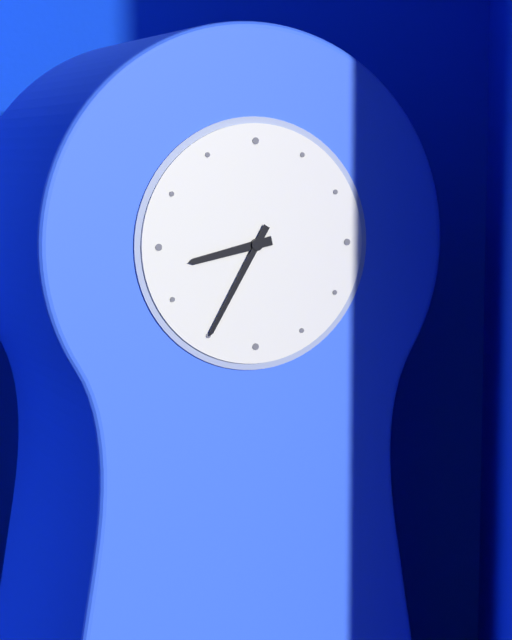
8:35
